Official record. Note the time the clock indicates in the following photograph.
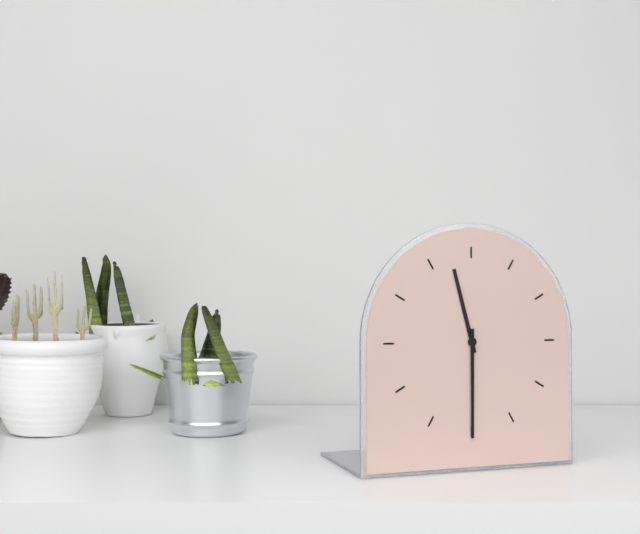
11:30
